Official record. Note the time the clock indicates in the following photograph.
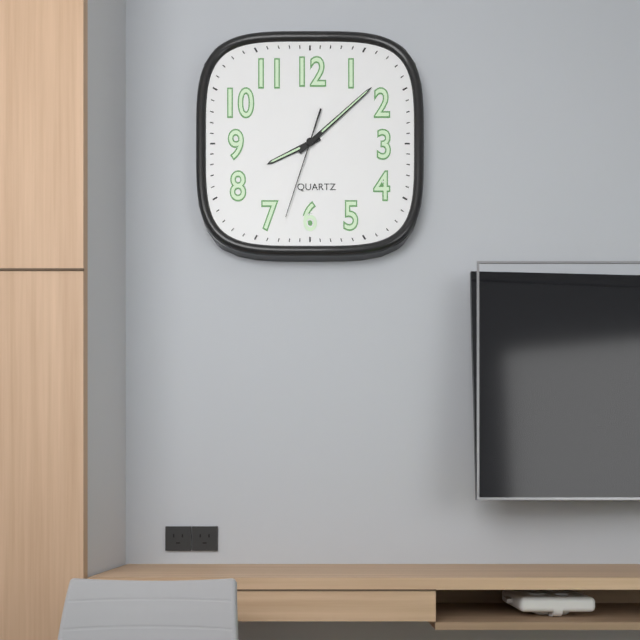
8:08:33
